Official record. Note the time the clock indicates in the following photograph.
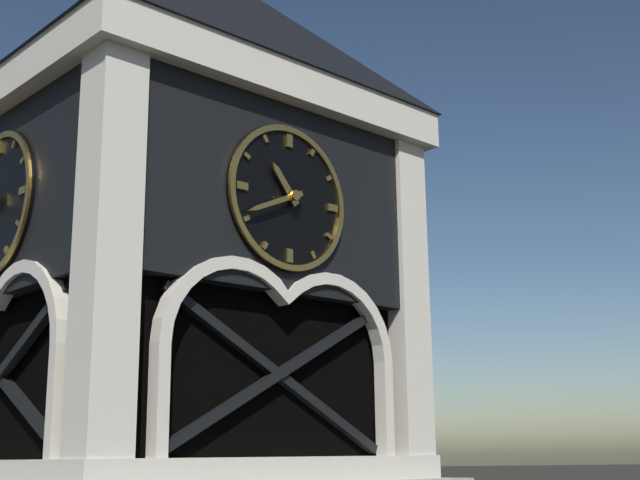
10:41
